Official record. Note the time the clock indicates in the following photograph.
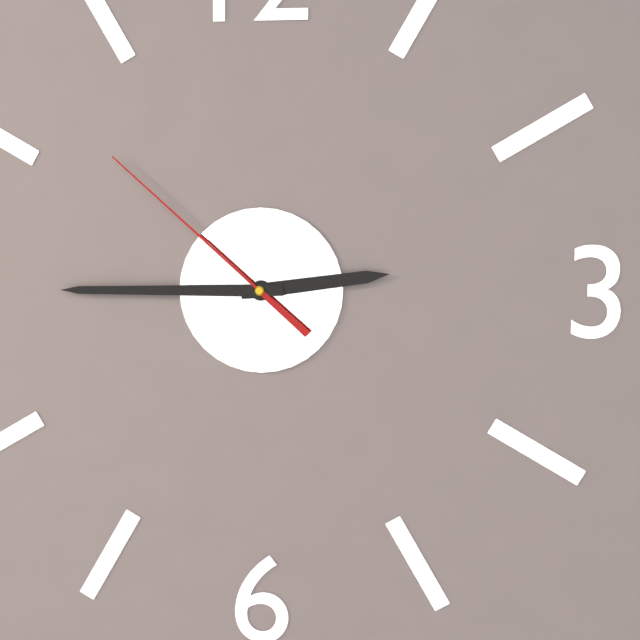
2:45:52
